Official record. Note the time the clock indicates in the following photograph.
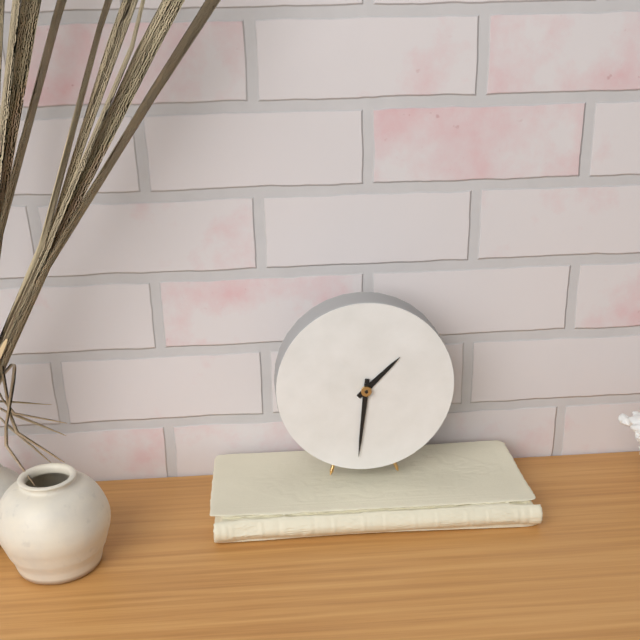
1:31
